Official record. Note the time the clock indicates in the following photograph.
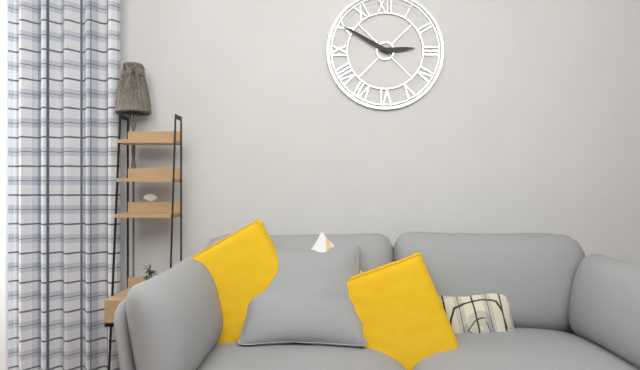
2:50
